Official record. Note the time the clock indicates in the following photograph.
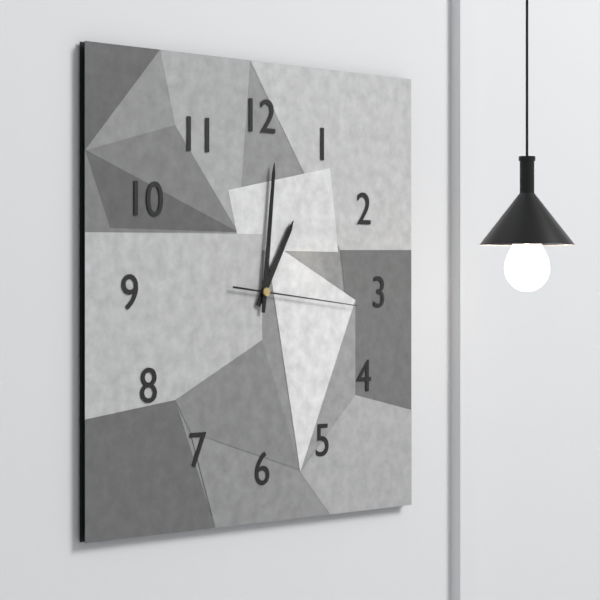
1:01:16
